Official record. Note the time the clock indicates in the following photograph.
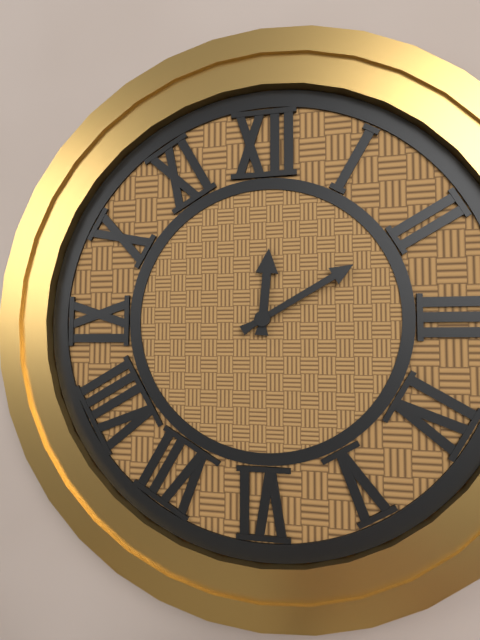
12:10
